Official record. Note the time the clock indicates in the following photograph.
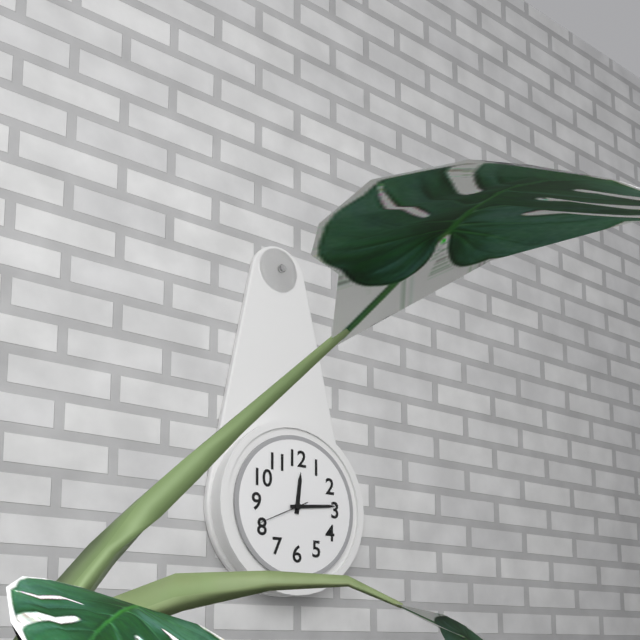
12:14:41
